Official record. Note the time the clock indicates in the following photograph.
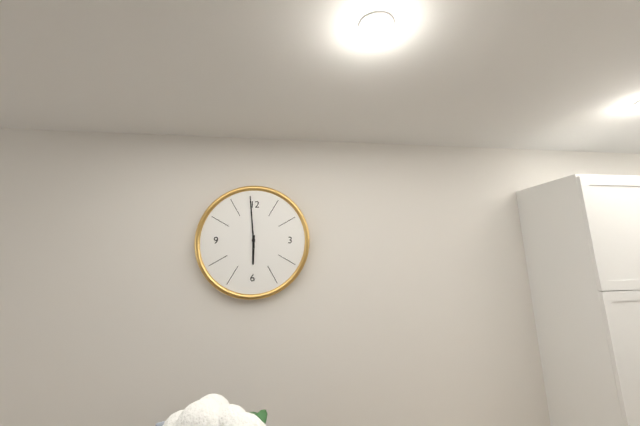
5:59
